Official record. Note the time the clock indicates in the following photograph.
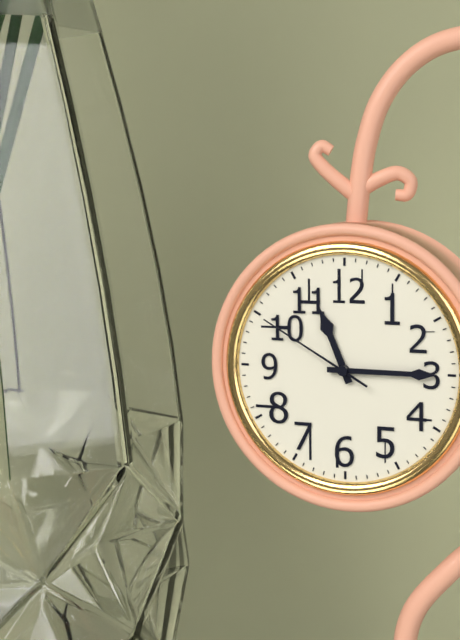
11:15:50
